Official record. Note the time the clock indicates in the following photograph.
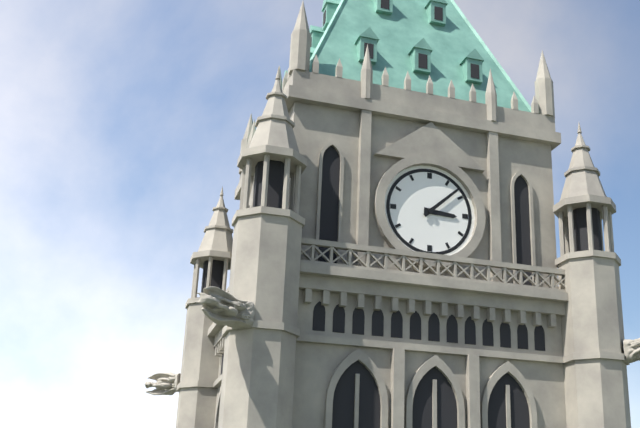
3:08
